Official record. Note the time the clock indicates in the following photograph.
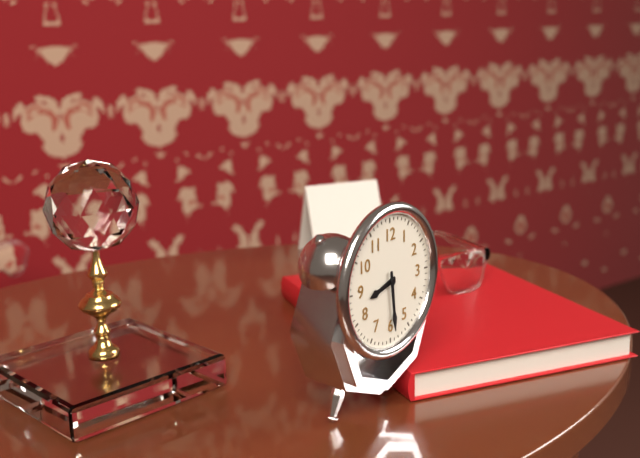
8:29
